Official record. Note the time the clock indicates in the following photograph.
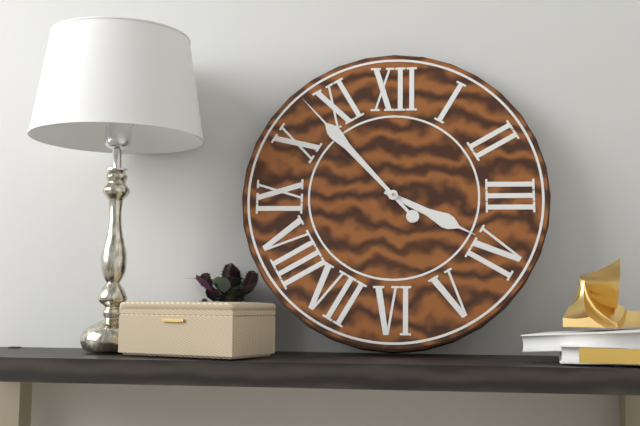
3:53
